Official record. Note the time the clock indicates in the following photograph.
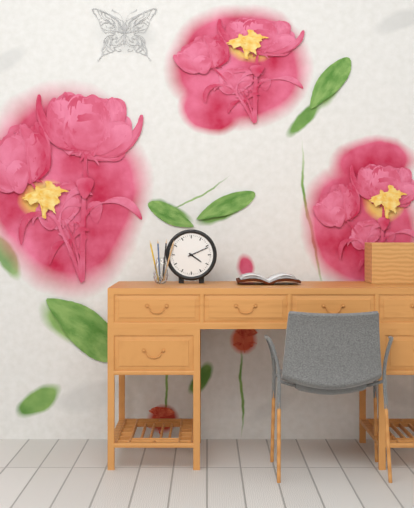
4:11
